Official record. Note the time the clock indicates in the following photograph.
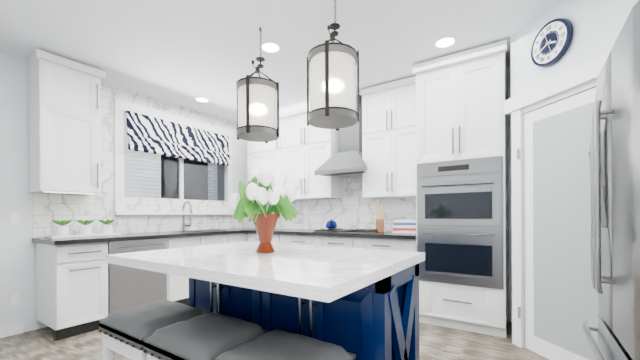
3:41
